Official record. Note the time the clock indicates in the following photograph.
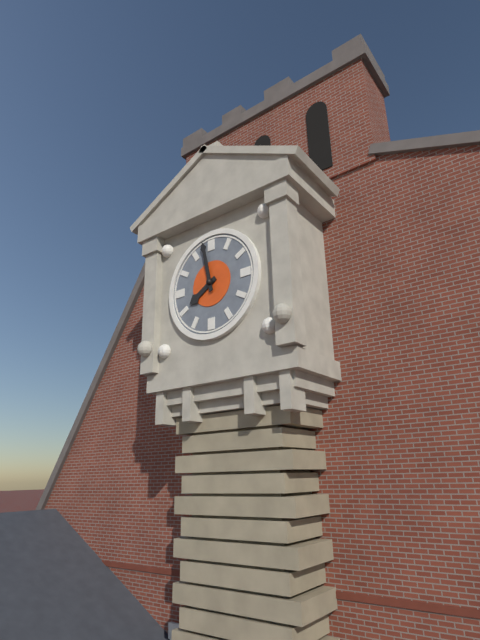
7:58
